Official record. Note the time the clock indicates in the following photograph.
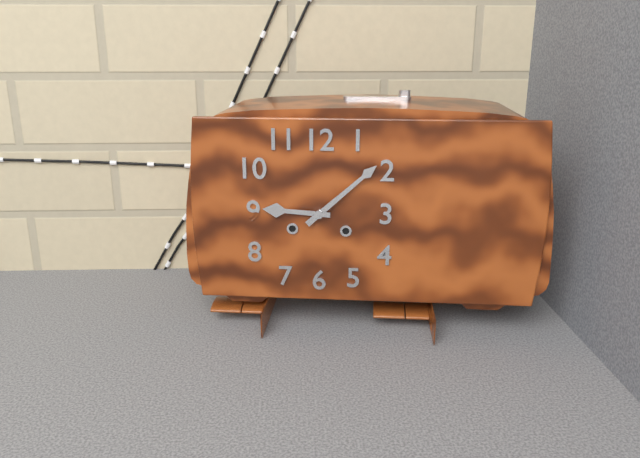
9:08
